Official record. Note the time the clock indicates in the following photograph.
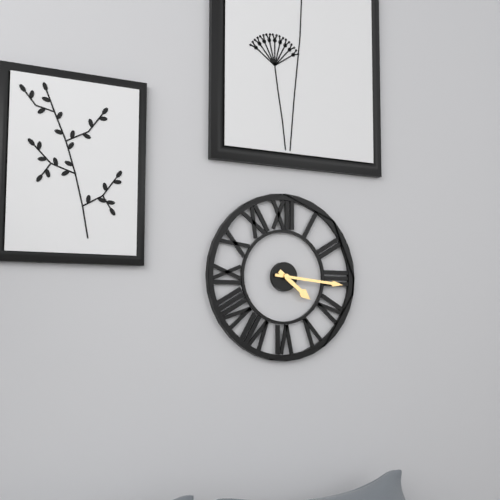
4:16
